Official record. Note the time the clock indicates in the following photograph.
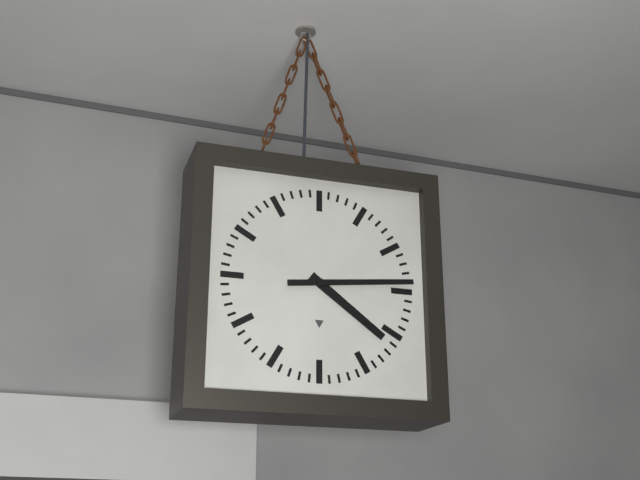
4:14
